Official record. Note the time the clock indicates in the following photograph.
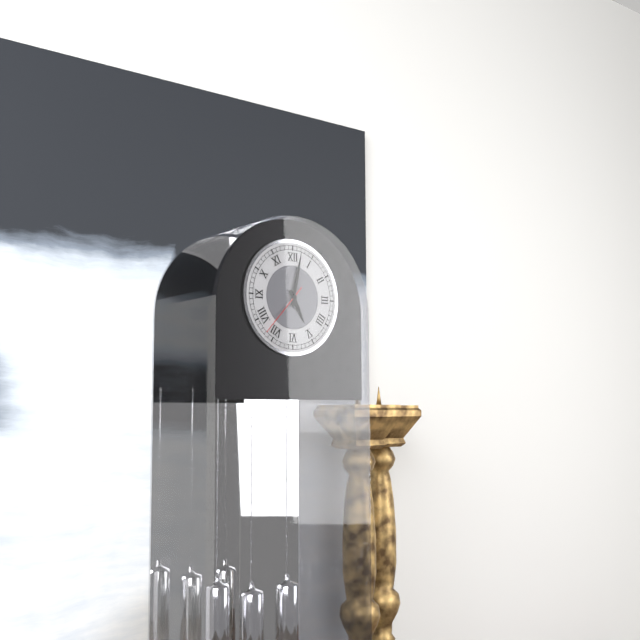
5:02:37
